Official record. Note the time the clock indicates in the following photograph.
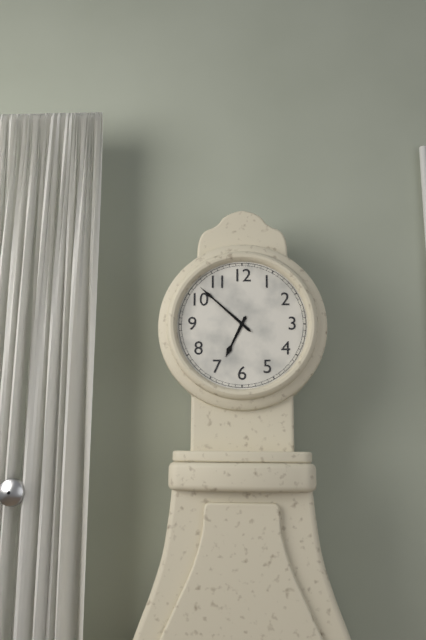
6:52
